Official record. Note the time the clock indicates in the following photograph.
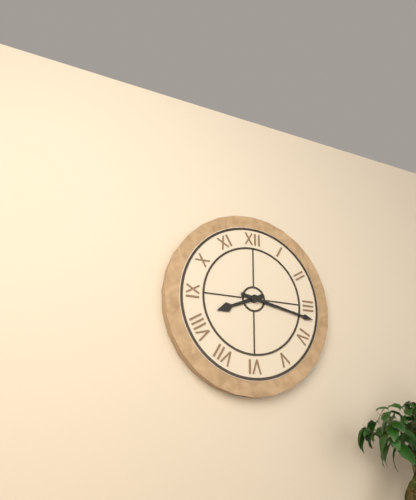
8:17
